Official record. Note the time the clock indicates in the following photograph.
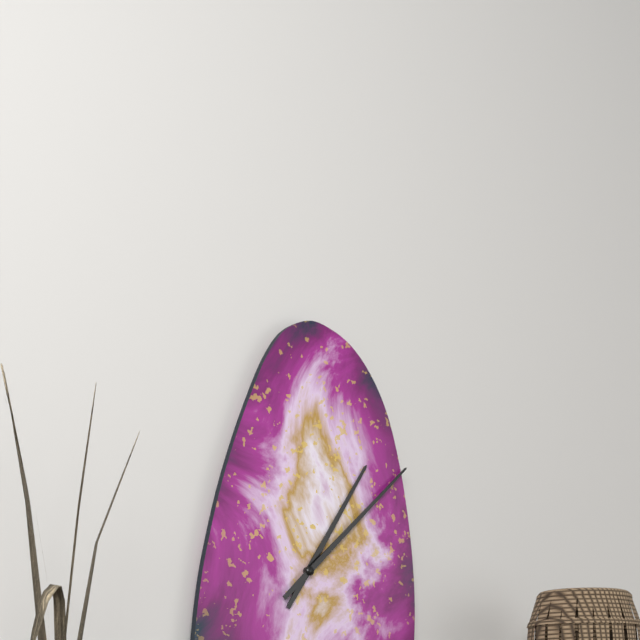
1:08
